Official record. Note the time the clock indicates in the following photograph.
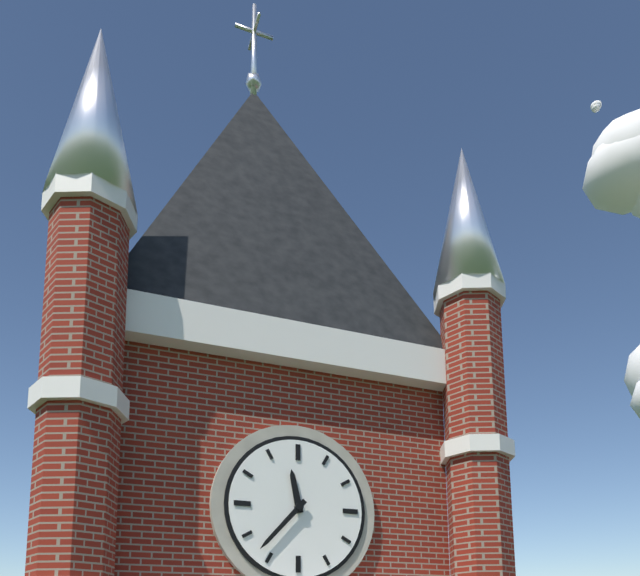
11:37
